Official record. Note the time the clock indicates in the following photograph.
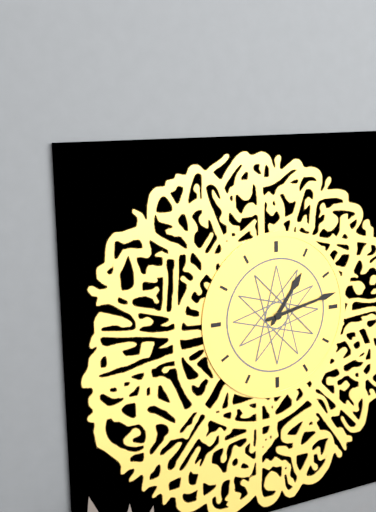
1:13
